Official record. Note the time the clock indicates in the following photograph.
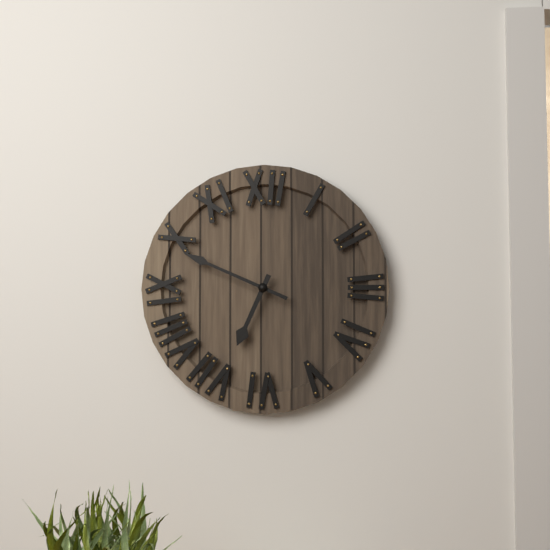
6:49
